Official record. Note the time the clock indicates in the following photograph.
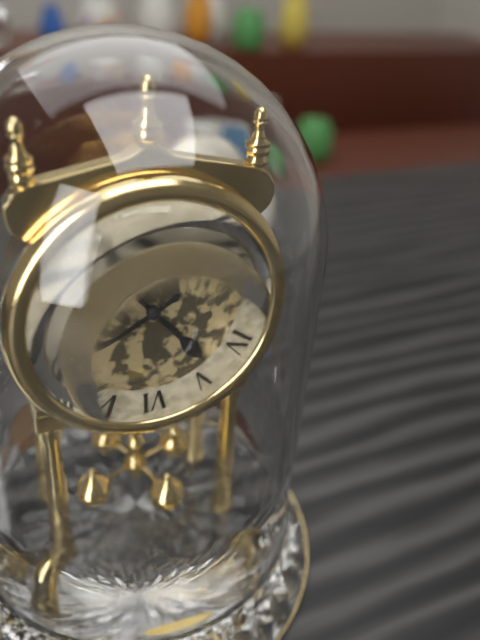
4:40
